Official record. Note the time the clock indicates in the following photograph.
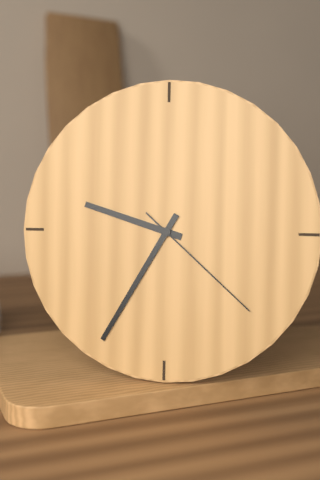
9:35:22
